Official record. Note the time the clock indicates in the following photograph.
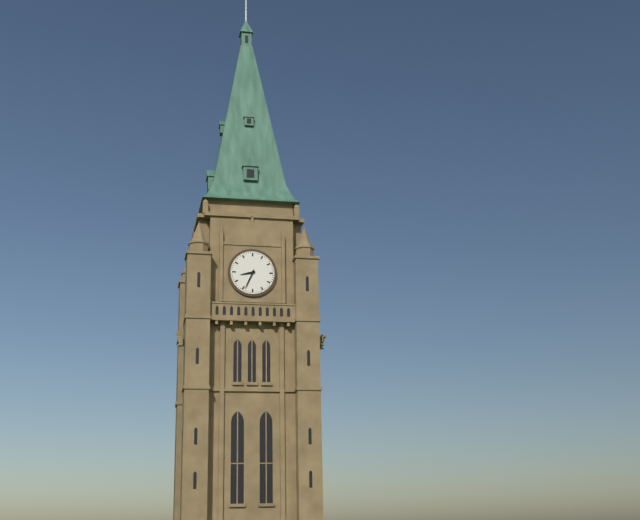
8:34
